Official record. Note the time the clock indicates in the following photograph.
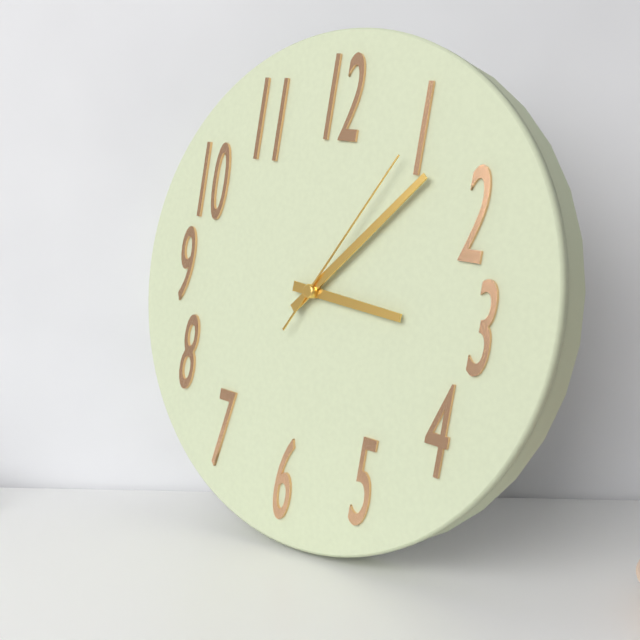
3:07:05
